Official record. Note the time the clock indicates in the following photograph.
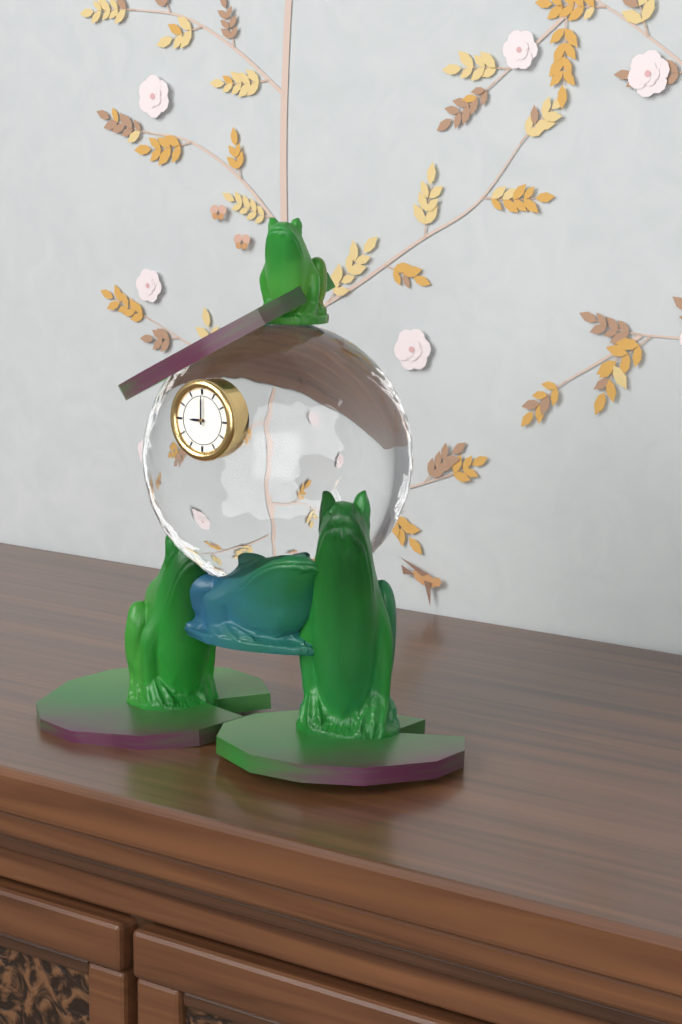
9:00
